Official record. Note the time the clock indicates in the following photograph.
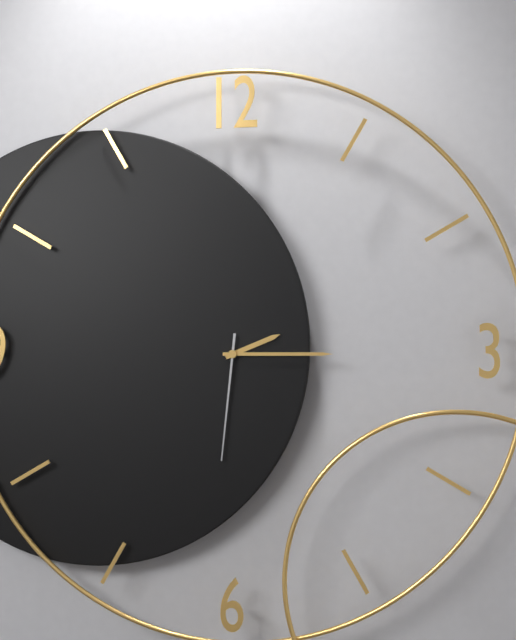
2:15:31
